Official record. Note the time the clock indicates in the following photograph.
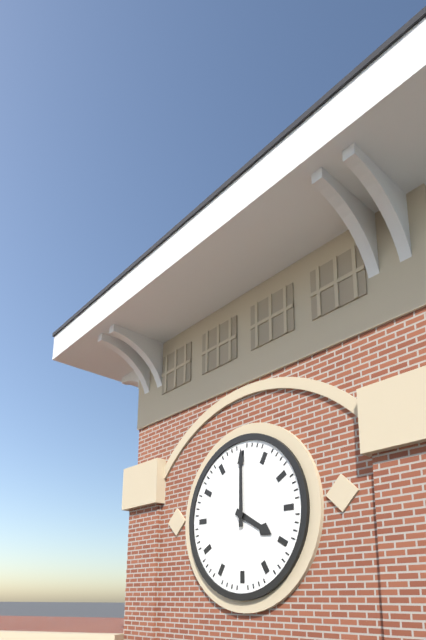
4:00
